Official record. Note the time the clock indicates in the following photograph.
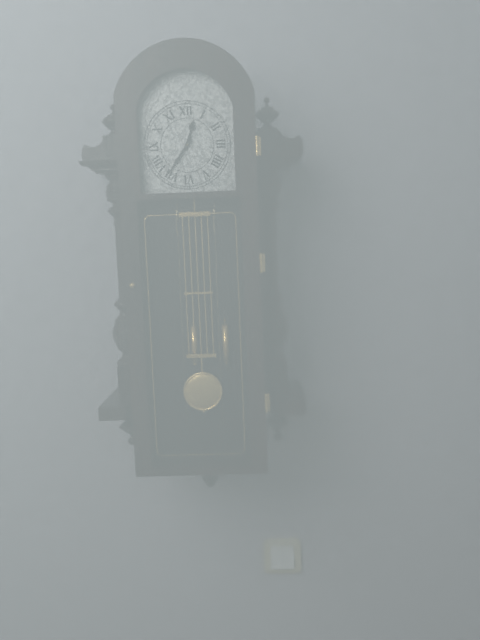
12:36
